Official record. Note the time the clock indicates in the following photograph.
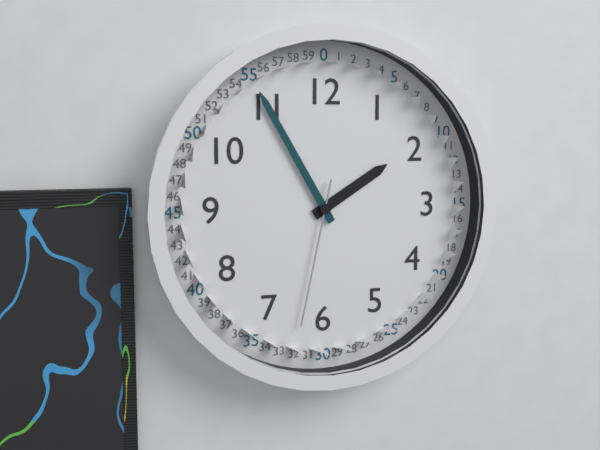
1:55:32
